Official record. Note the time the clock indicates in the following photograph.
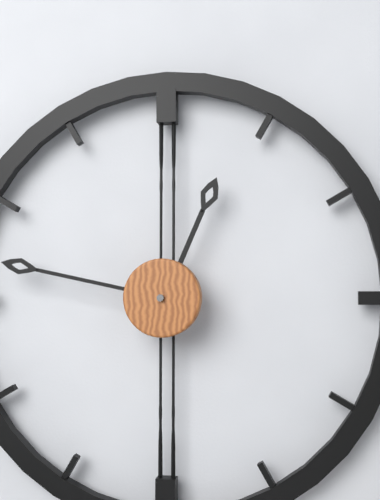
12:47
